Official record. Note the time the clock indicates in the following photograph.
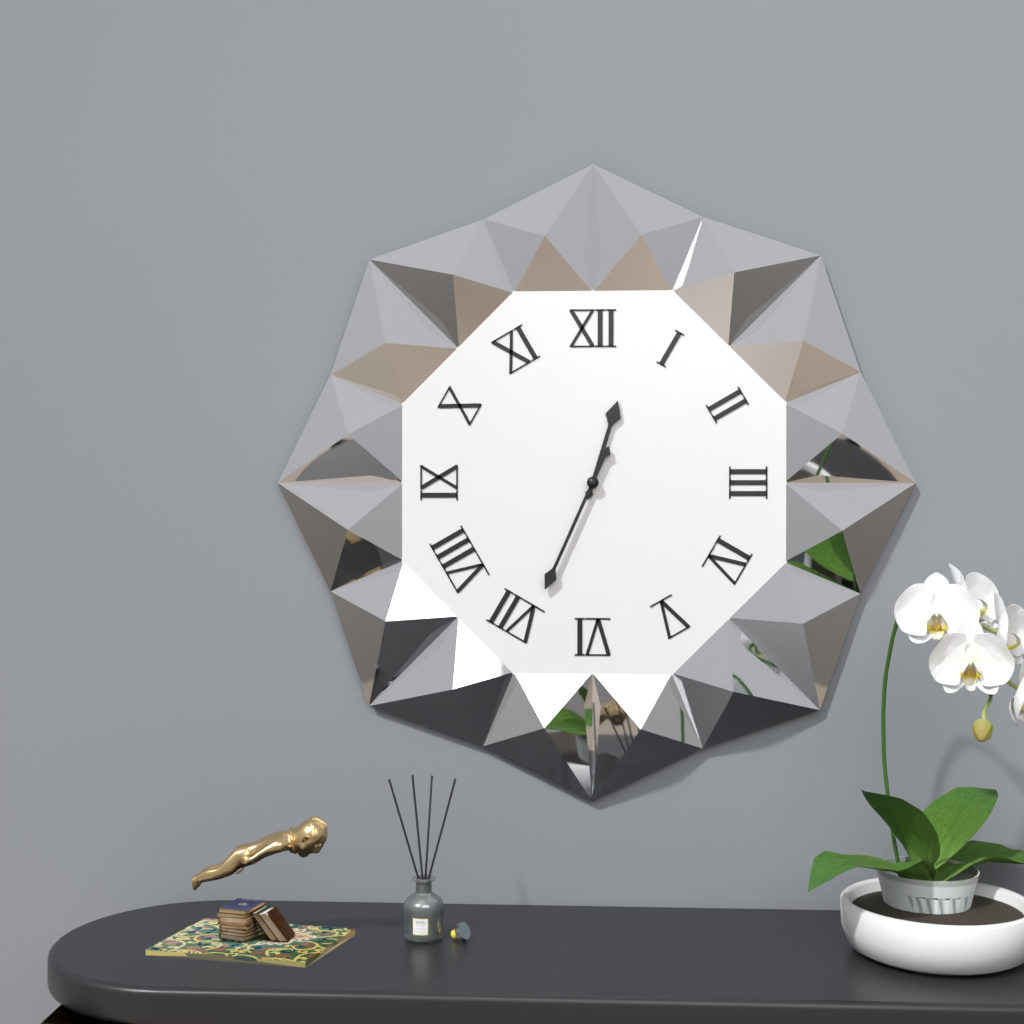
12:34
